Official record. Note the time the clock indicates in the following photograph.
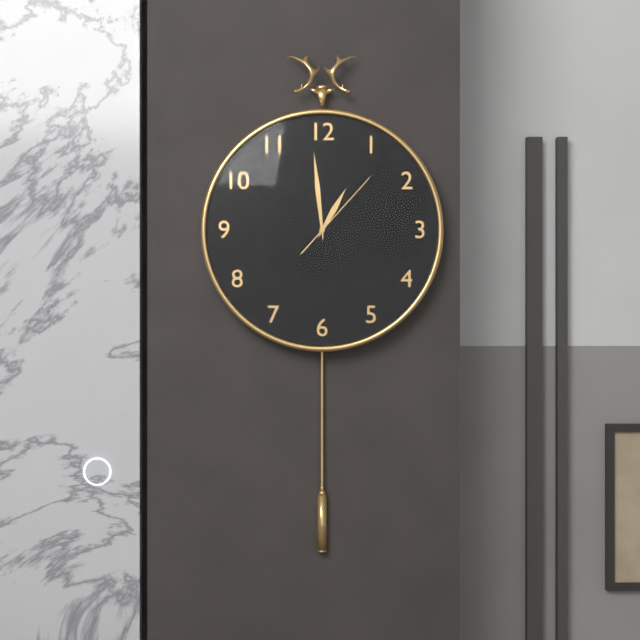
12:59:07
